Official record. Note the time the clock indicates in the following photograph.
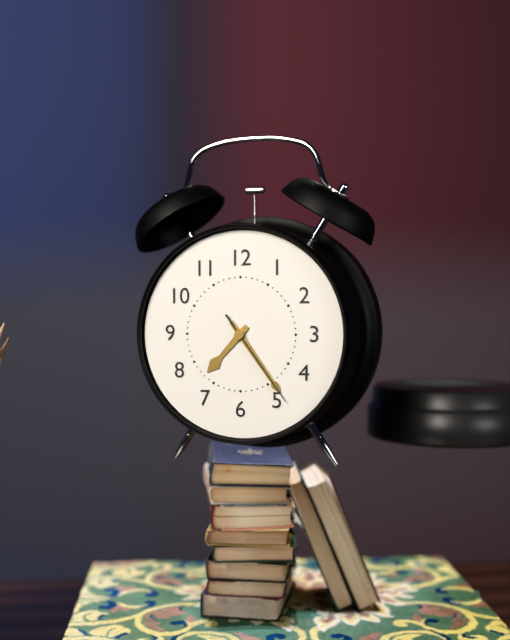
7:24:24
